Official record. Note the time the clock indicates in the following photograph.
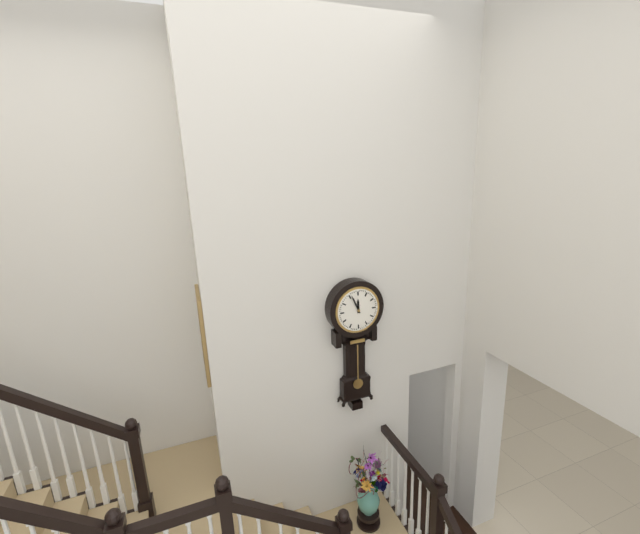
11:56
